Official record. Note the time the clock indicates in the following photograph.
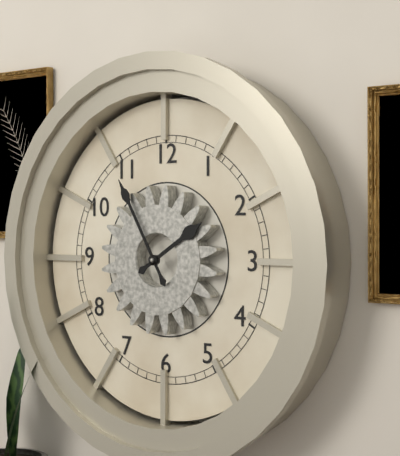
1:55
